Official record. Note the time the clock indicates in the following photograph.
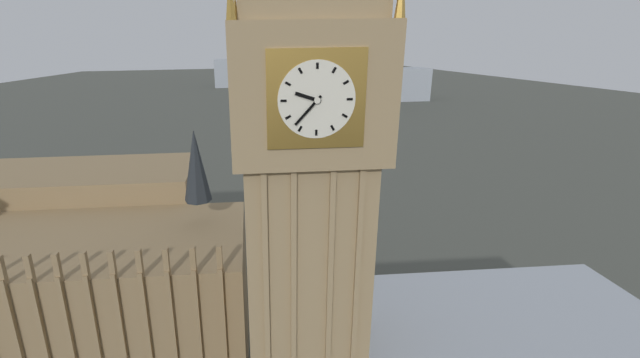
9:37
